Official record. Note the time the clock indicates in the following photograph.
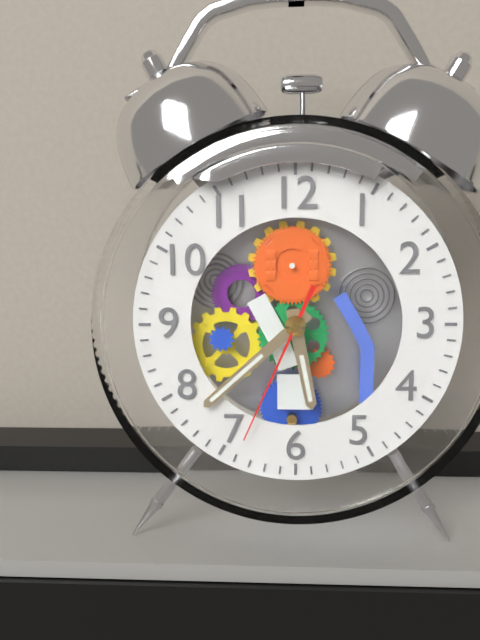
5:38:34
